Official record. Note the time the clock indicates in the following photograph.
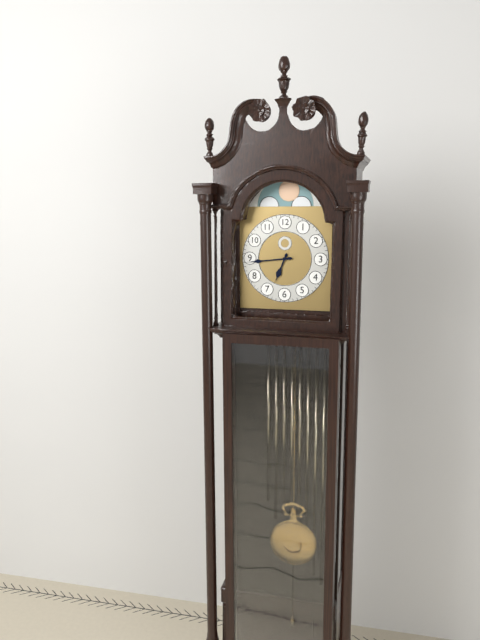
6:44
